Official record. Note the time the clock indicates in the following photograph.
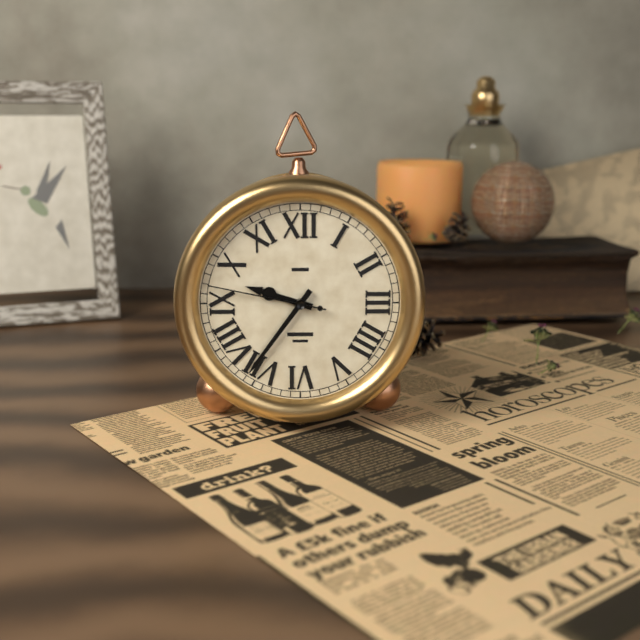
9:36:47
